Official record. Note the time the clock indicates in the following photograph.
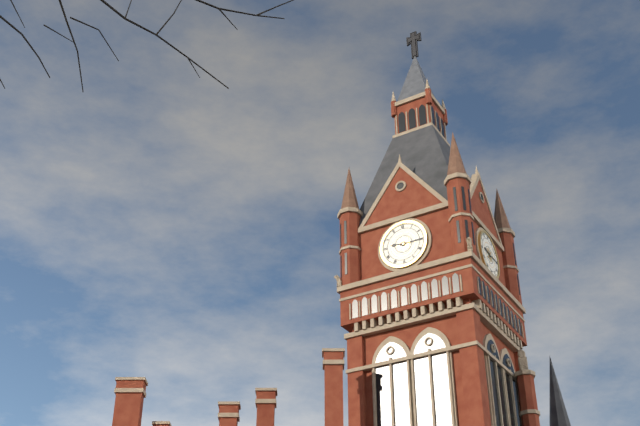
9:15
